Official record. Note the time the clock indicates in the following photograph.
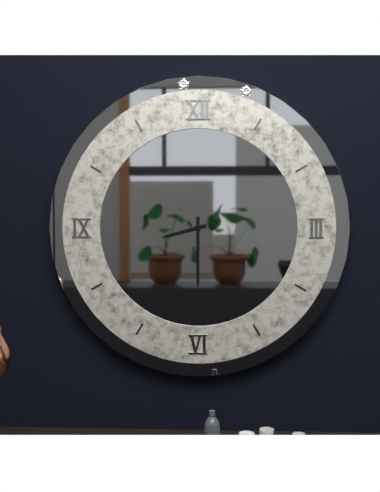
8:30
